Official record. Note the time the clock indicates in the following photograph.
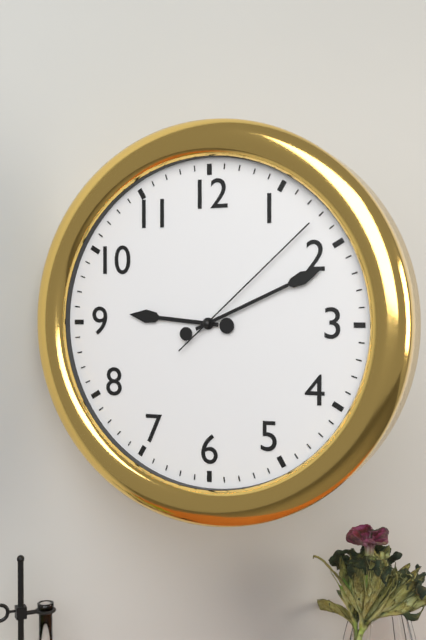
9:11:08
